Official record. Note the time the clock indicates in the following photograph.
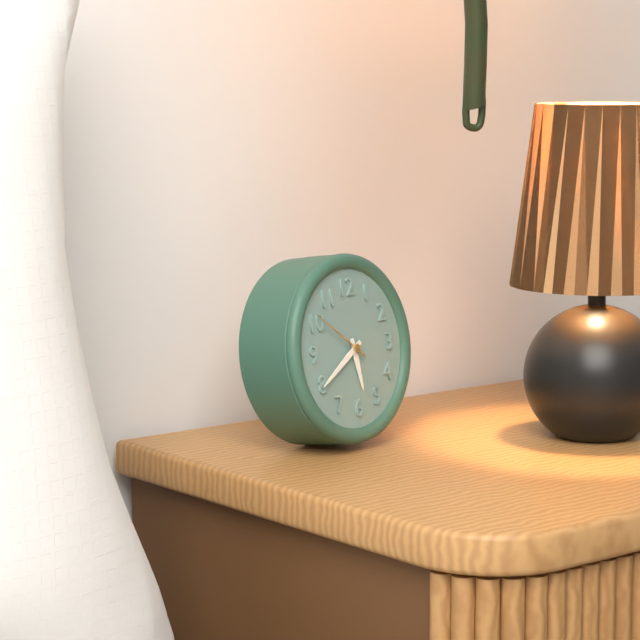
5:40:51
